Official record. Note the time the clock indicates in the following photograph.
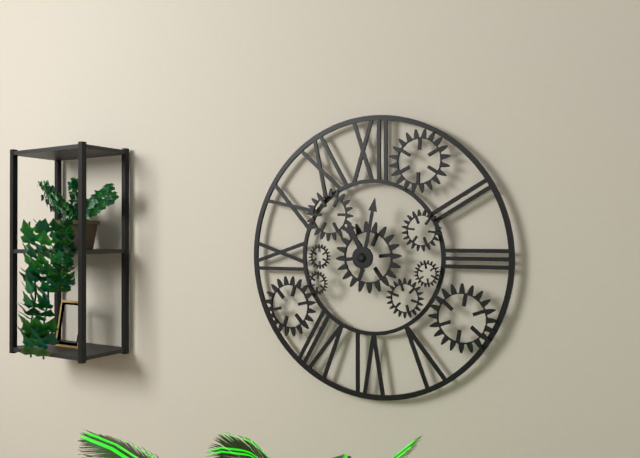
11:02
